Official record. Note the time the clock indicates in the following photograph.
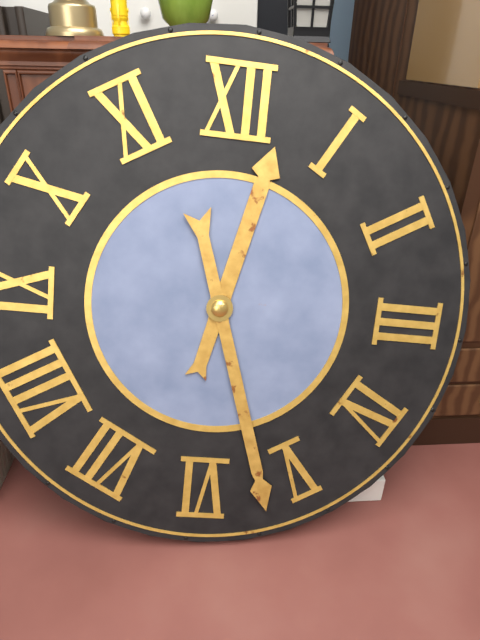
12:27
